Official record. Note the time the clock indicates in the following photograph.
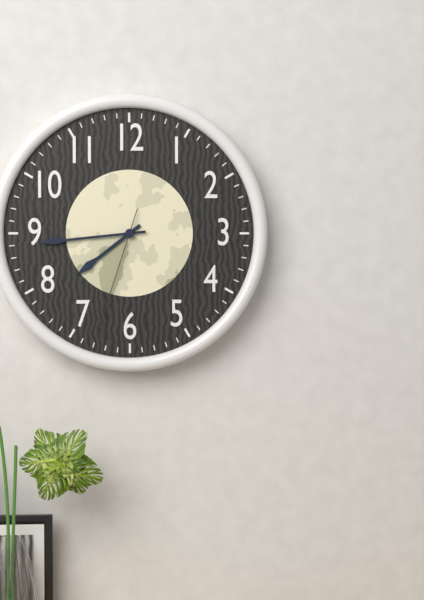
7:44:33
